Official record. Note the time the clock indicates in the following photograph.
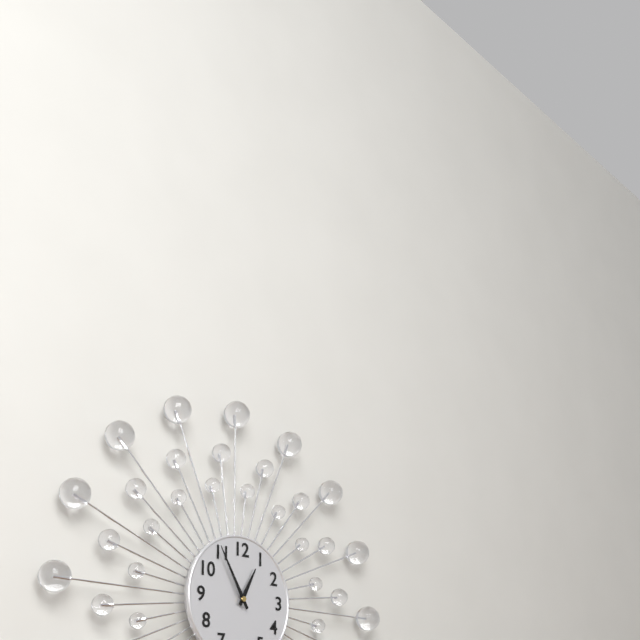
12:55
